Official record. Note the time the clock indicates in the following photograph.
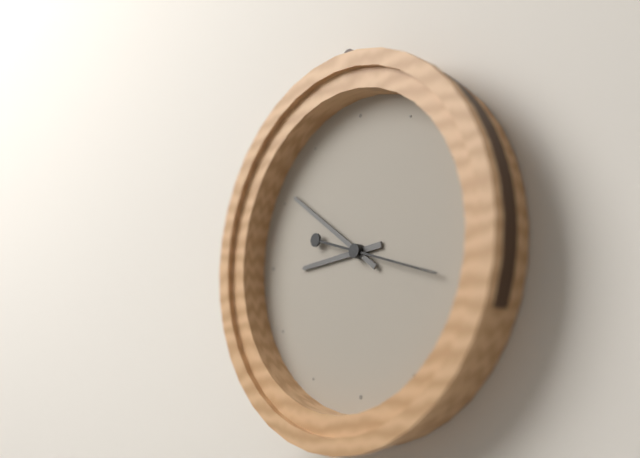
8:51:18
